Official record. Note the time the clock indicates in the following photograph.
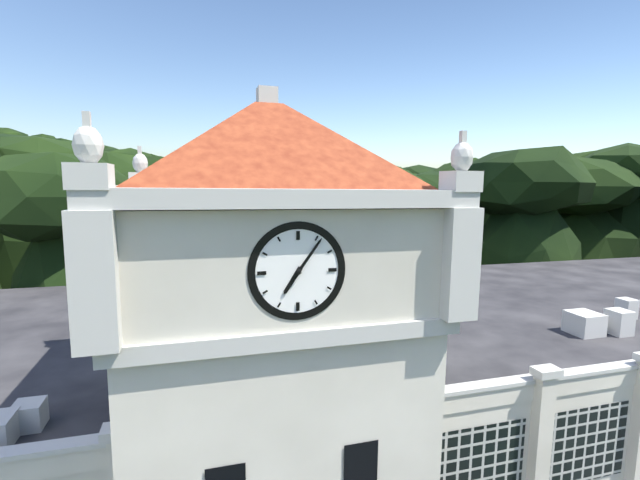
7:06
